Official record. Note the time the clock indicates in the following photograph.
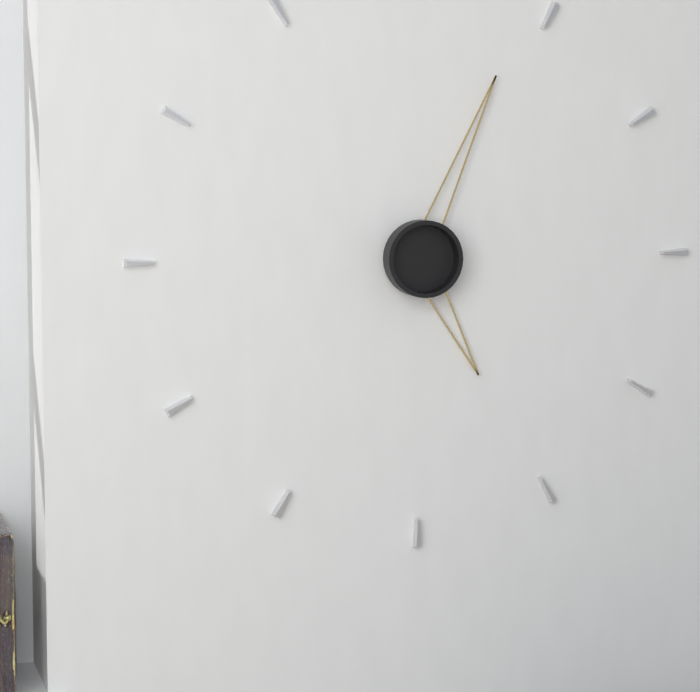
5:04
